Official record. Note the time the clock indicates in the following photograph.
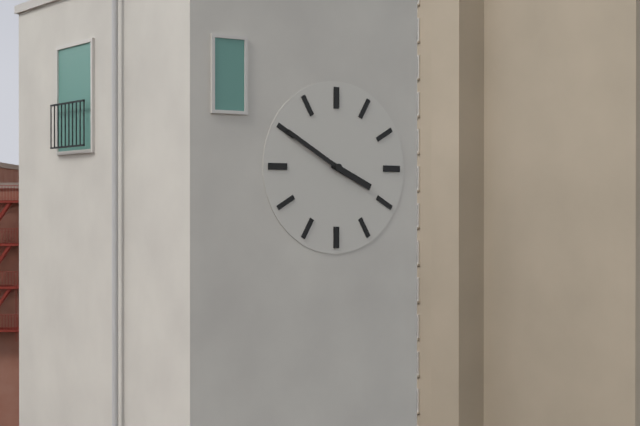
3:50
